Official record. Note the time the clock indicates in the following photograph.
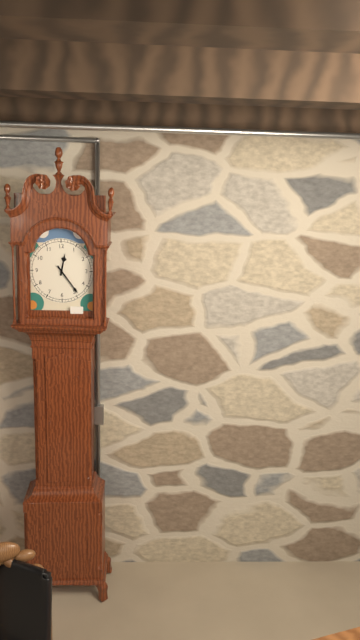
12:24
